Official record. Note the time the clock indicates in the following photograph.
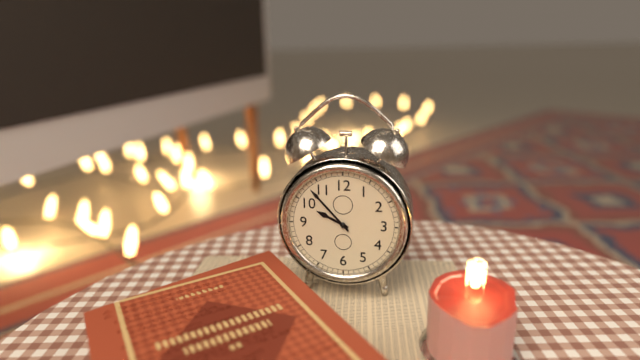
9:53
